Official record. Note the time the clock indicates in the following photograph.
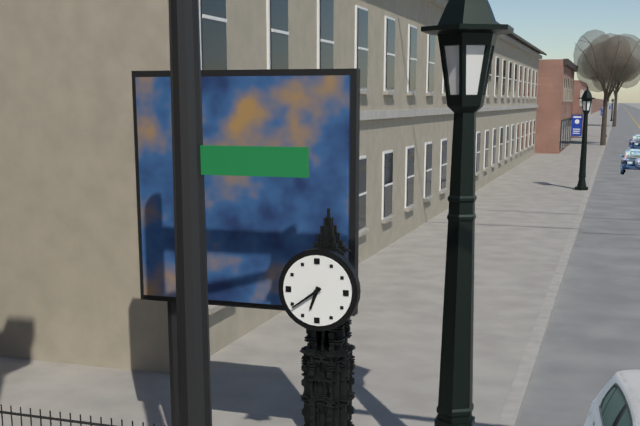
6:39
